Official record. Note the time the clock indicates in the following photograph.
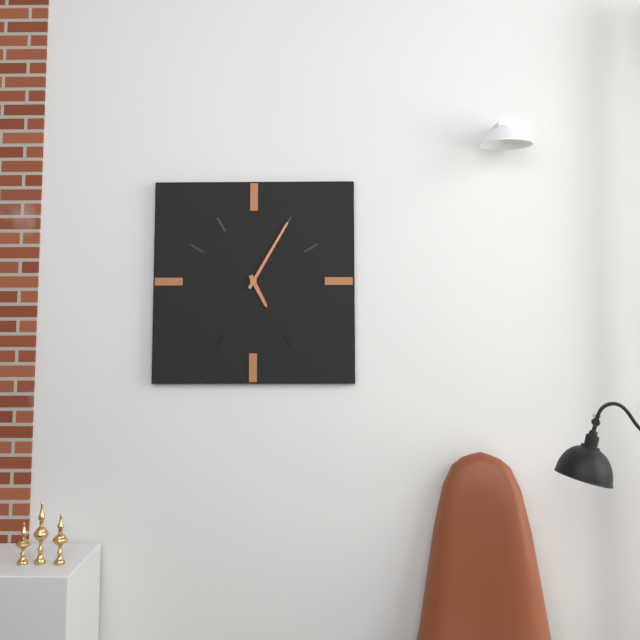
5:05
